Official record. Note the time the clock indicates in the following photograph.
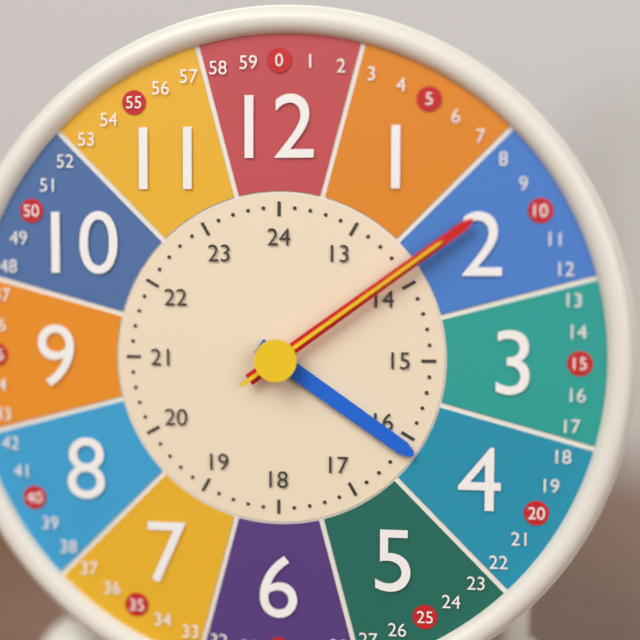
4:09:09
